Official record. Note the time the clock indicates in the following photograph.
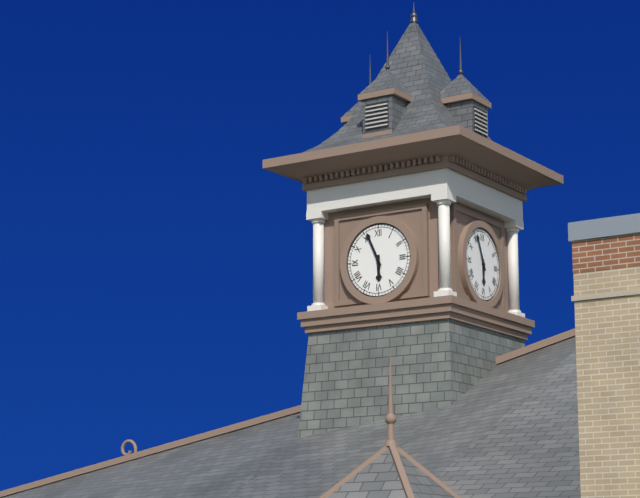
5:56
